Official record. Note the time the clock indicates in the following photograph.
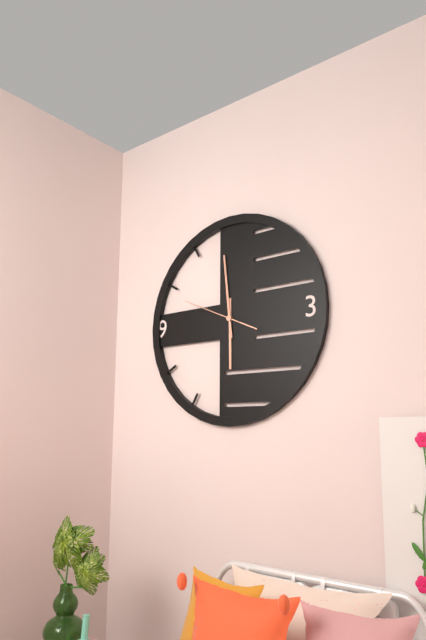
5:59:49
